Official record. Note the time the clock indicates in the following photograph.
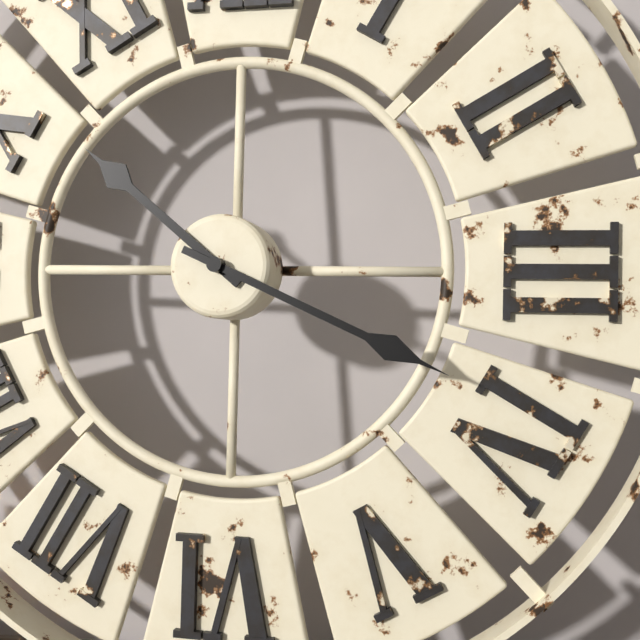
10:19
